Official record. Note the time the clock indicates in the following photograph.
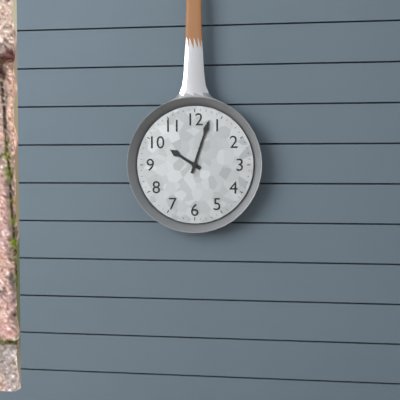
10:03
